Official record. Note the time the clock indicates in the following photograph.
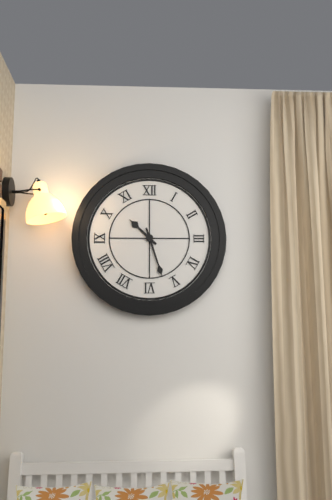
10:27
